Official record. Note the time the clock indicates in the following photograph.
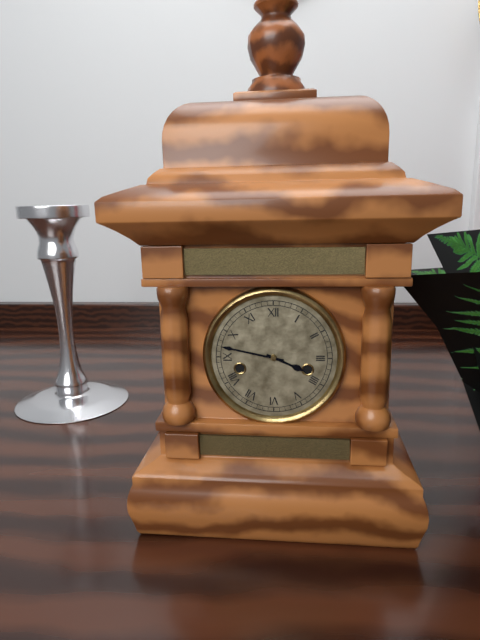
3:47
